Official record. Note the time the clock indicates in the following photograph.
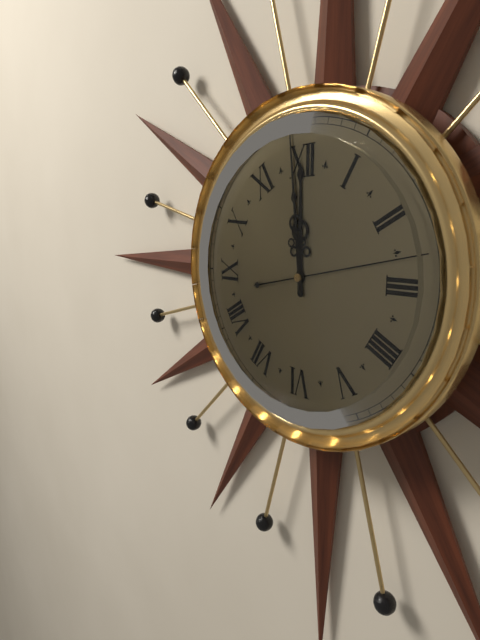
11:59:13
